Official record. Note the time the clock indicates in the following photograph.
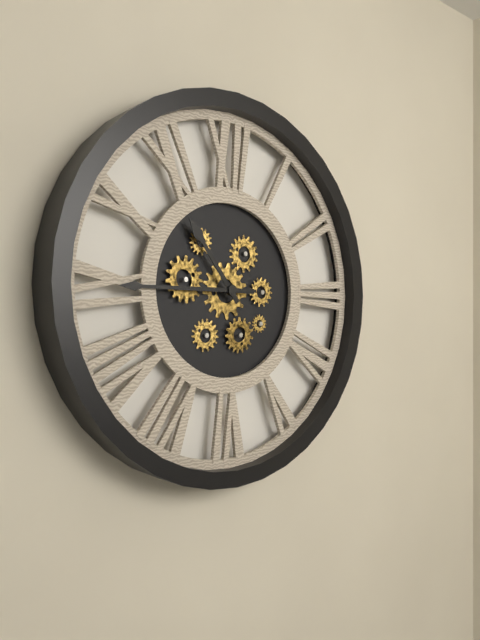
10:45
